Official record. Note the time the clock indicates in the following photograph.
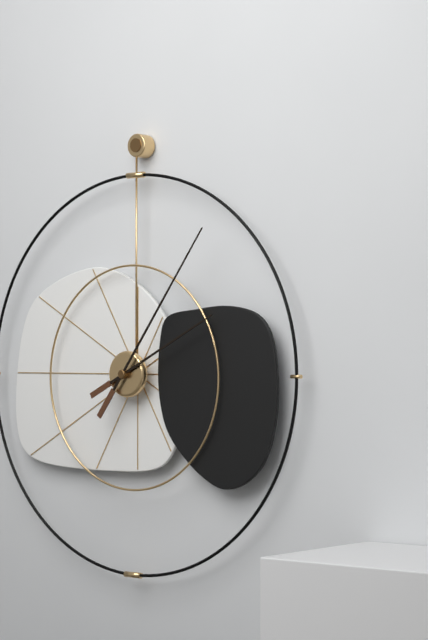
2:06
